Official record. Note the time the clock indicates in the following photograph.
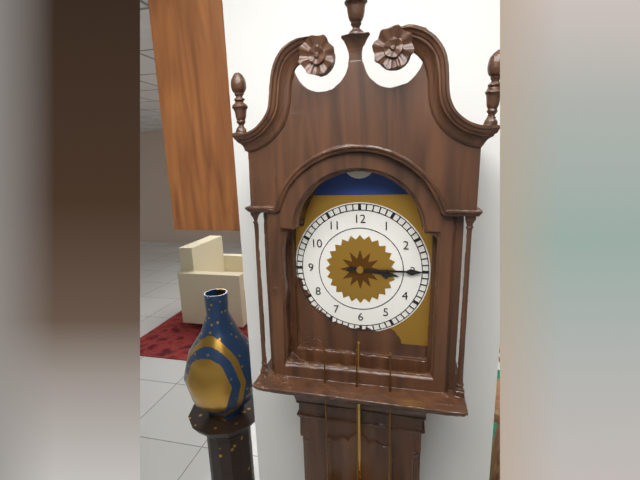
3:15
